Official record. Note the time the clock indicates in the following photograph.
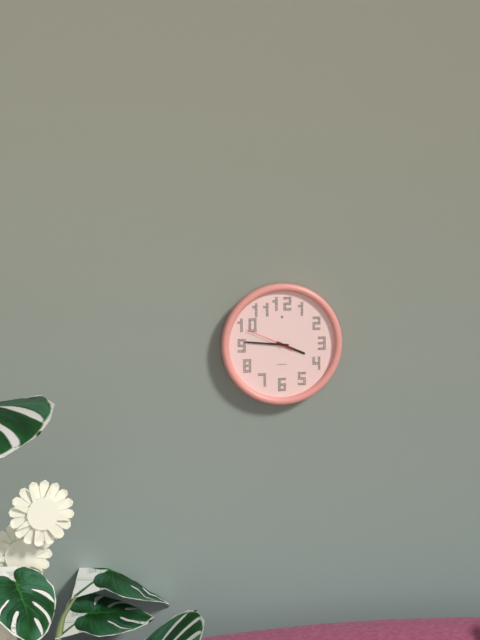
3:46
